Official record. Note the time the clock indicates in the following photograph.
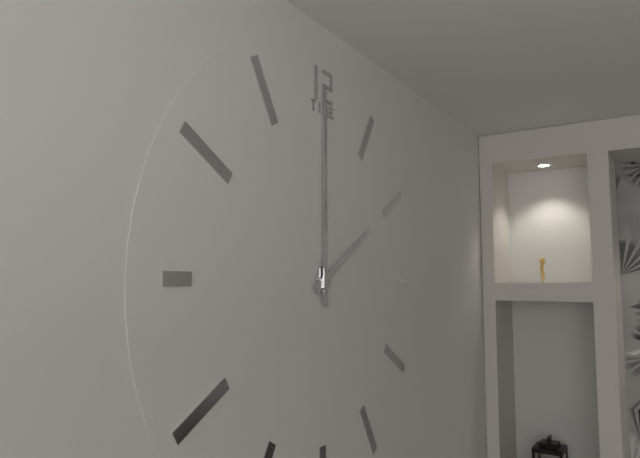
2:00
